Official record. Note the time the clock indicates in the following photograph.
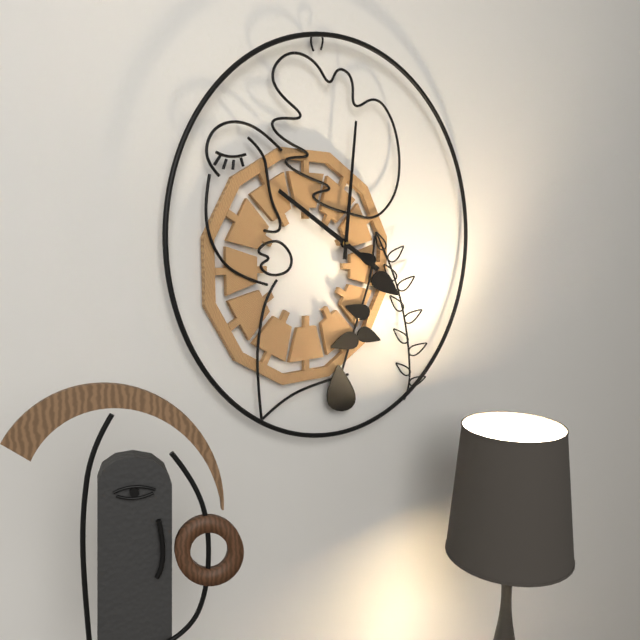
10:01
